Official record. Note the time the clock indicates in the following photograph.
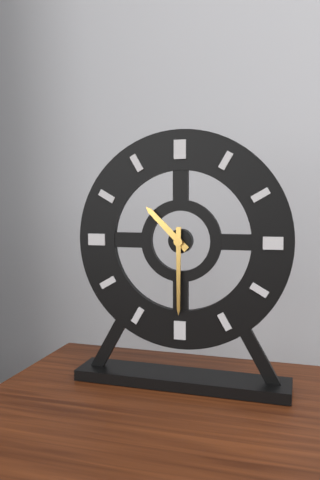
10:30
